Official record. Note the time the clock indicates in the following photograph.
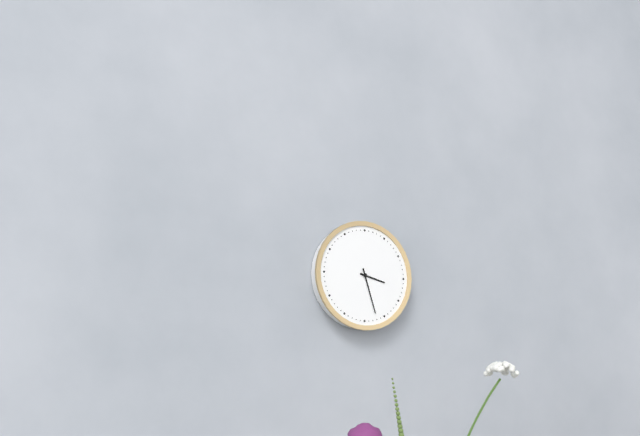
3:27
